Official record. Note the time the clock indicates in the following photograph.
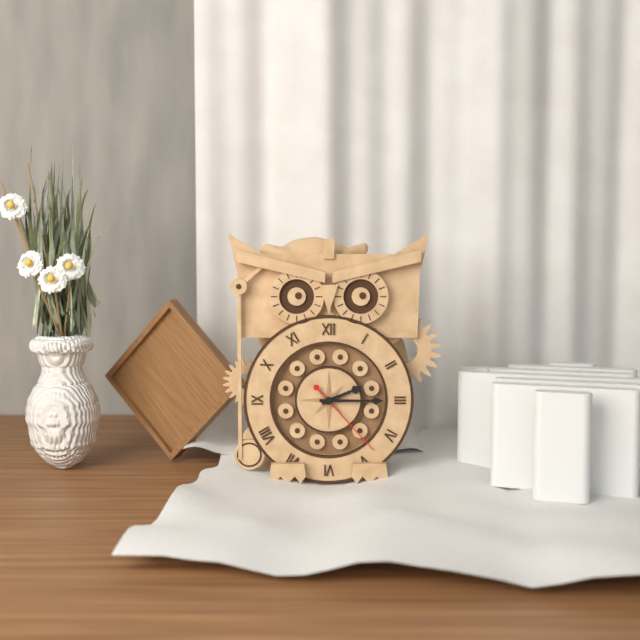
2:15:23
